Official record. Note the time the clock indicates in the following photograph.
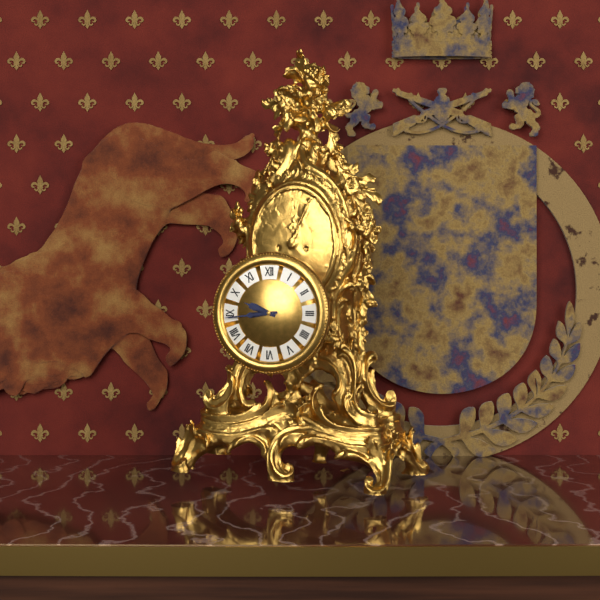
9:44
